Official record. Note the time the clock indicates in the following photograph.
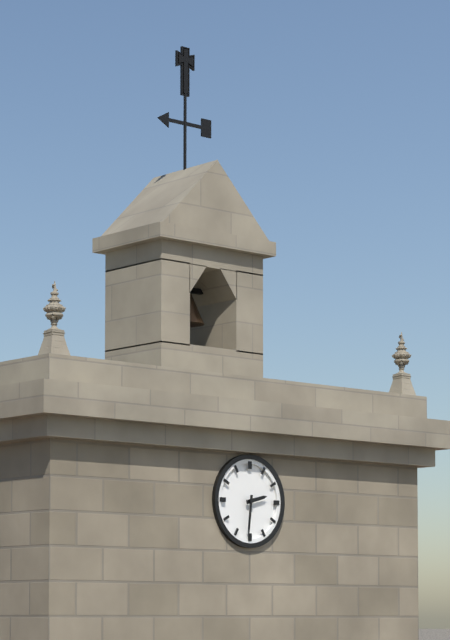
2:31
